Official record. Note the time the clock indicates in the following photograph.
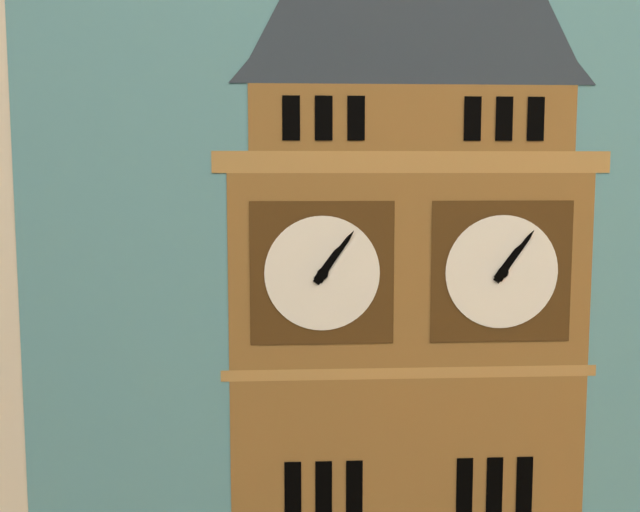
1:06
